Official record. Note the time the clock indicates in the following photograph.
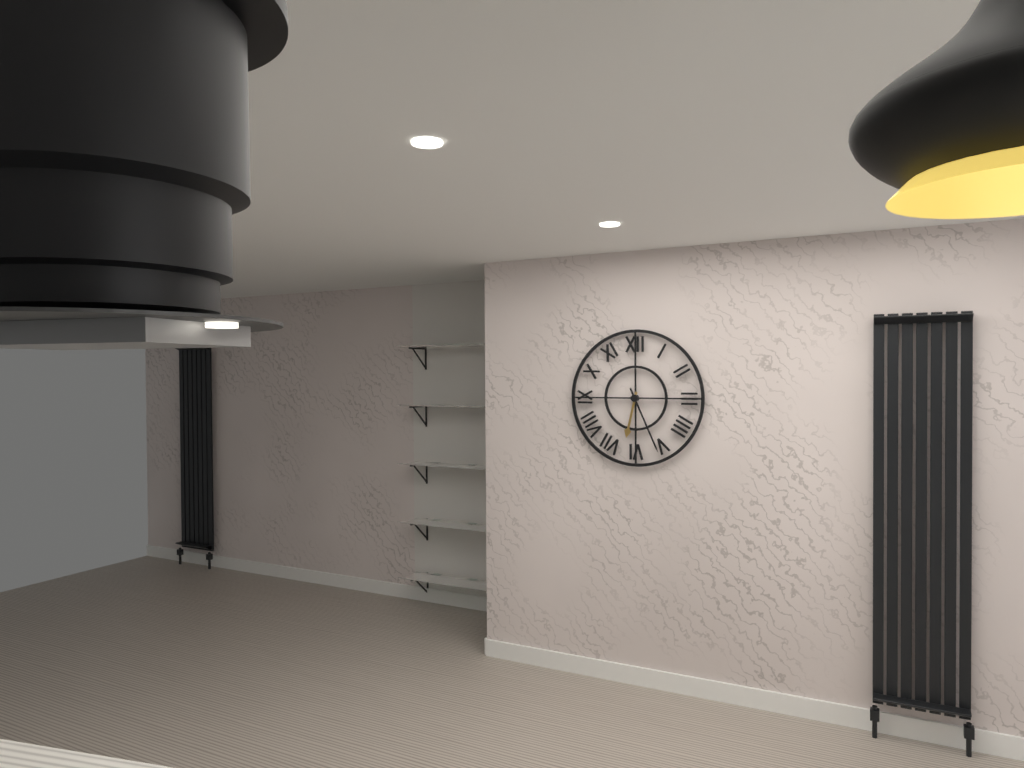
6:26
